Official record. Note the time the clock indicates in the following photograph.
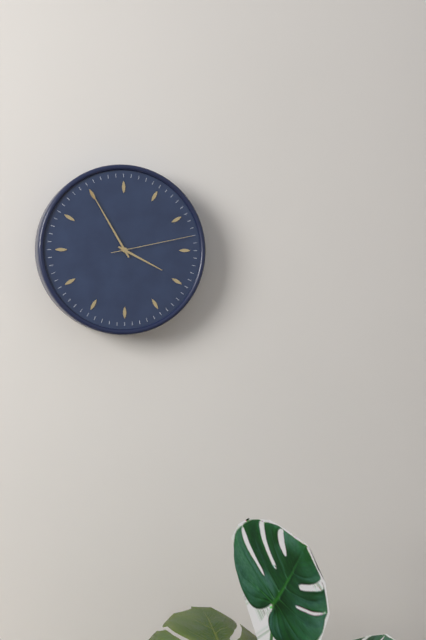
3:55:13
